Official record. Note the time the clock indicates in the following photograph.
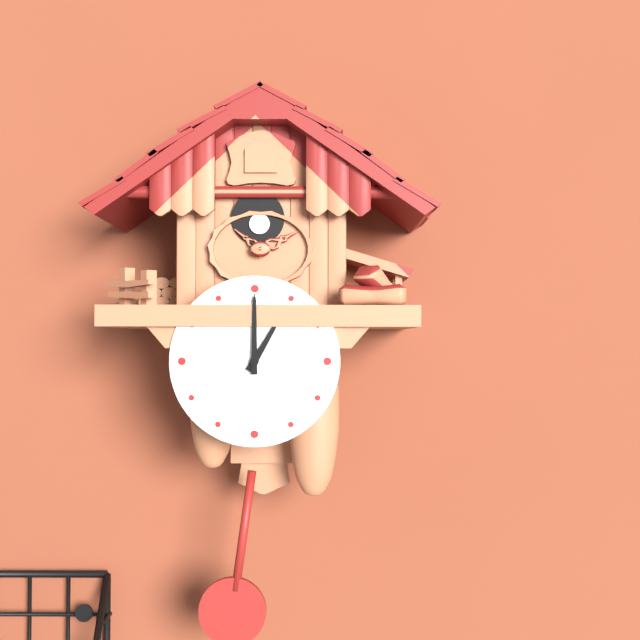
1:00
